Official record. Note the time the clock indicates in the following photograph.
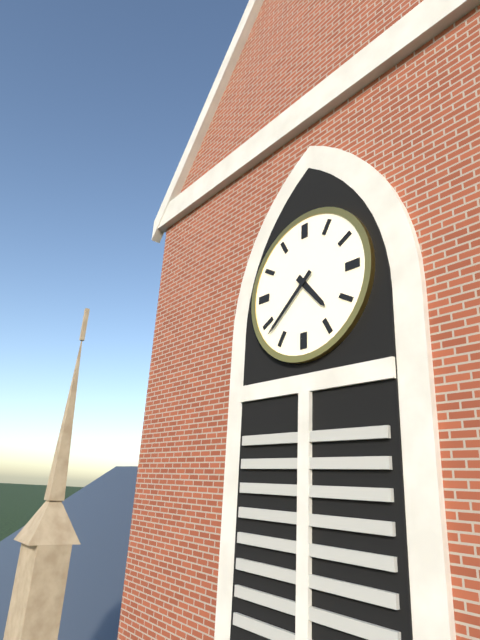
4:38
